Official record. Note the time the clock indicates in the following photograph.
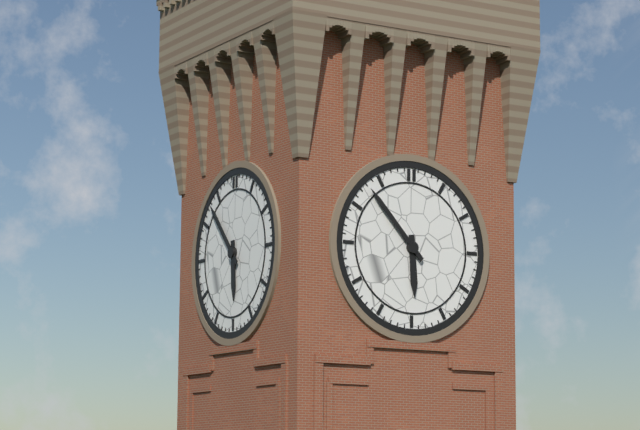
5:53
